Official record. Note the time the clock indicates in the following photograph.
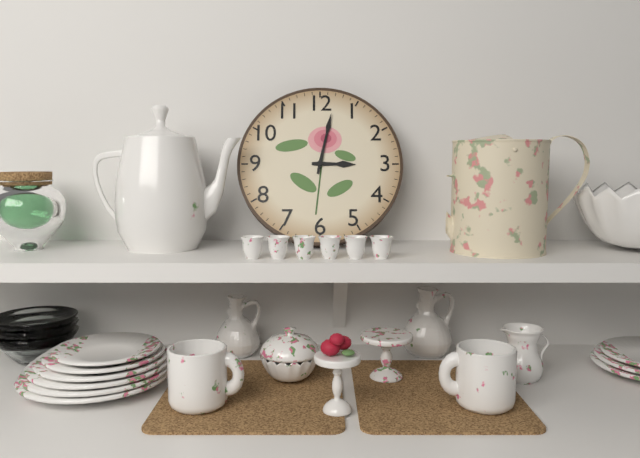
3:02
